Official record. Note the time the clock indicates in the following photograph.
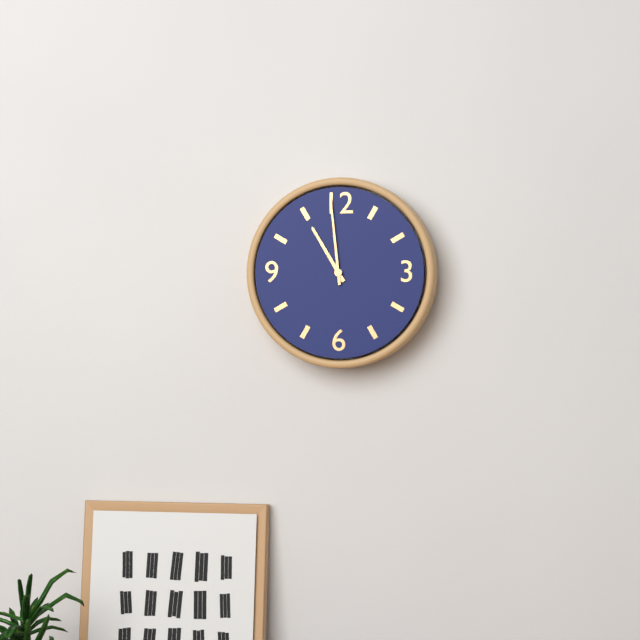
10:59
